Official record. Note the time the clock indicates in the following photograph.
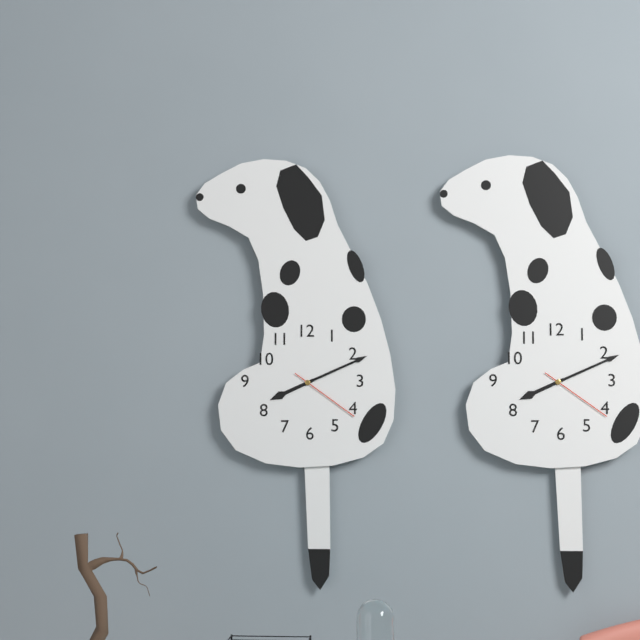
8:11:21
